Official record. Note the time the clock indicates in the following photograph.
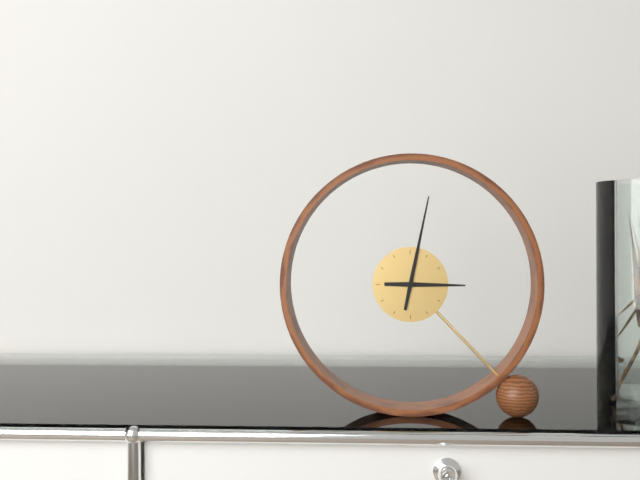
3:02
